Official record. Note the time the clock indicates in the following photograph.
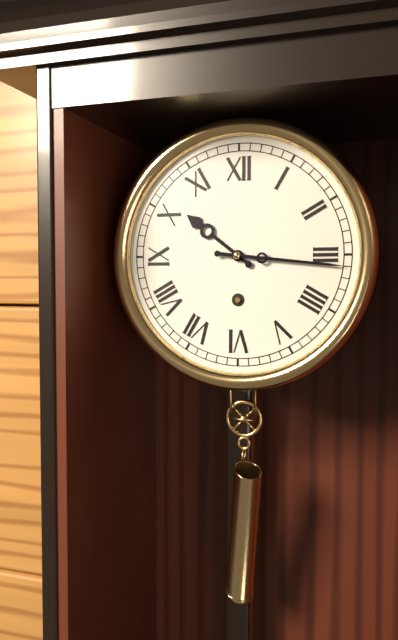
10:16
